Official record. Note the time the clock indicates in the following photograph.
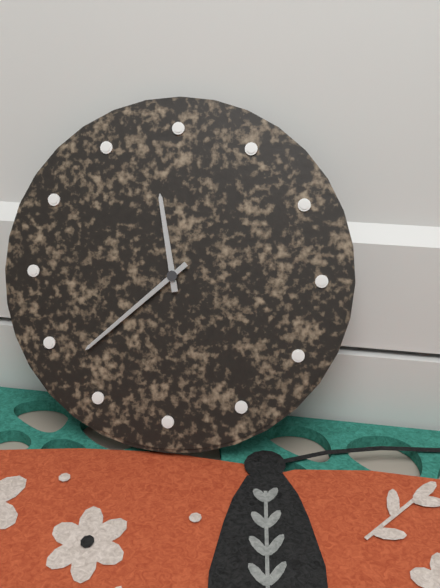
11:38
